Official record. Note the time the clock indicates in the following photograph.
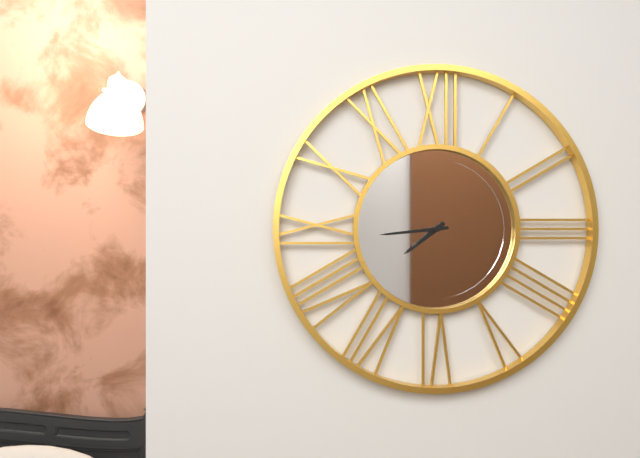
7:44
